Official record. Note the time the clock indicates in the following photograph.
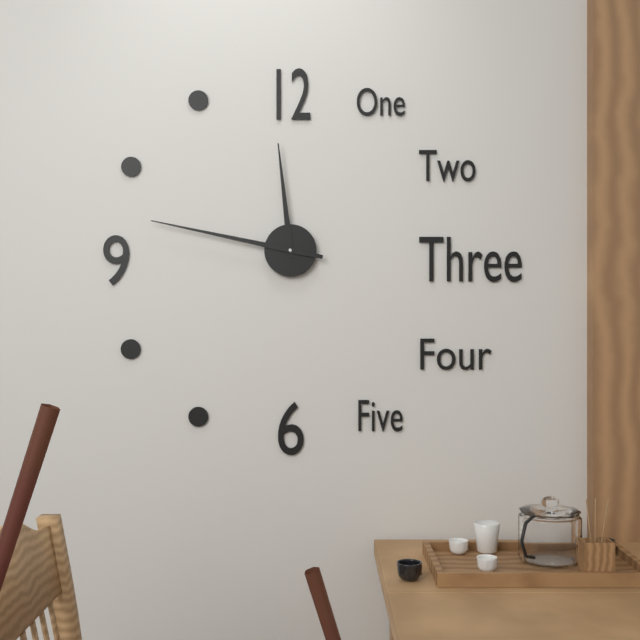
11:47
